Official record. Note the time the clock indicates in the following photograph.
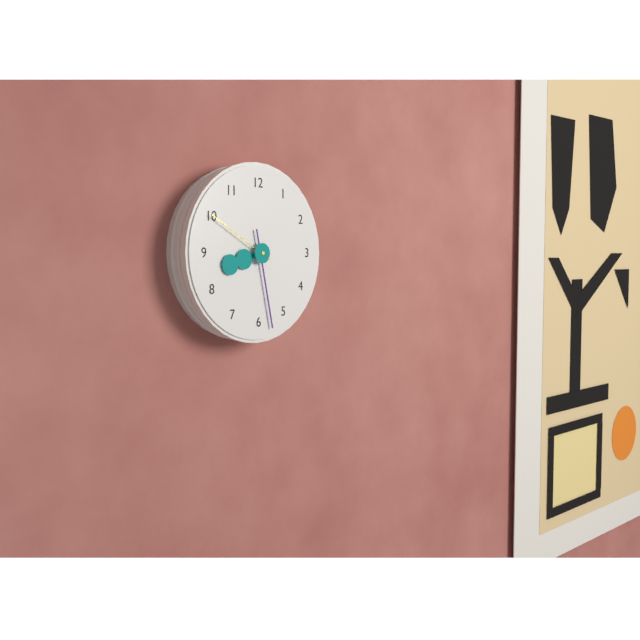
8:28:50
